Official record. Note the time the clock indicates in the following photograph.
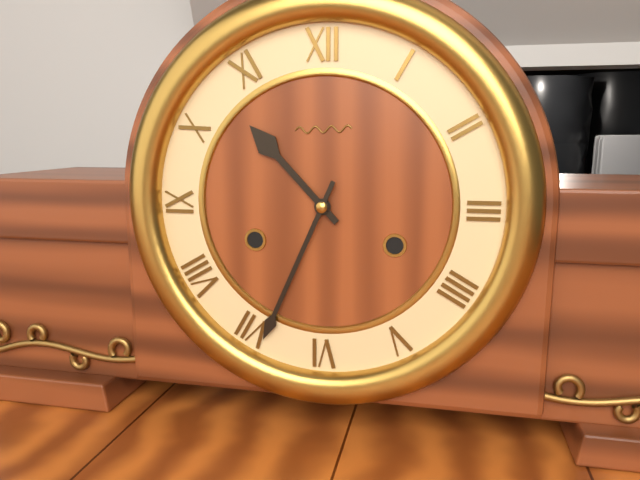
10:34
